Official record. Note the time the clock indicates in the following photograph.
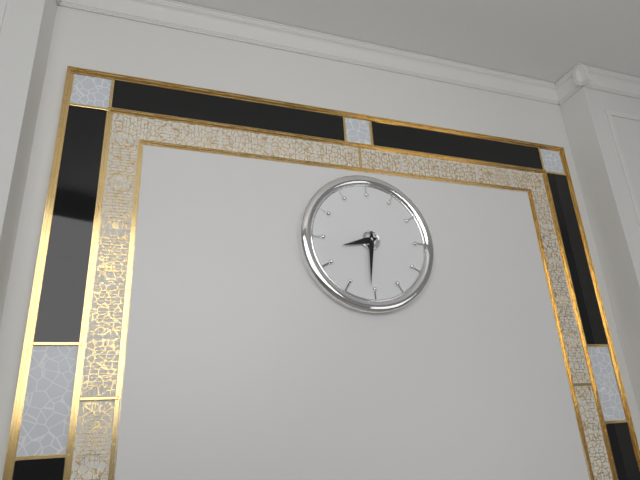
8:31
